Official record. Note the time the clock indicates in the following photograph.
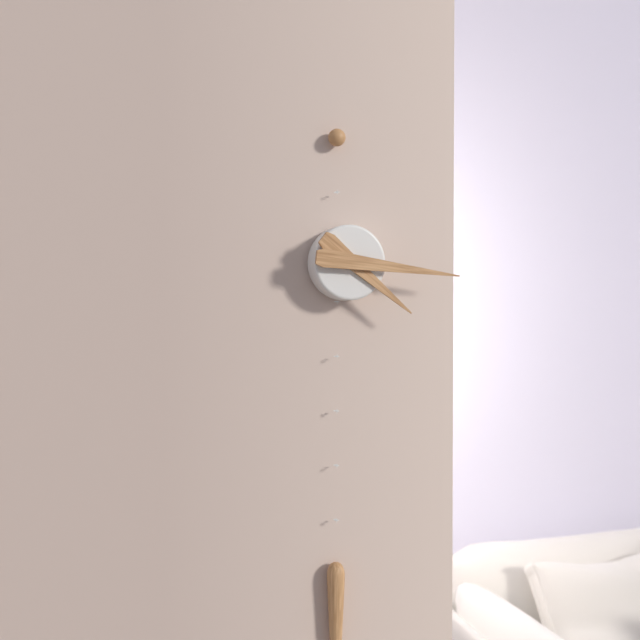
4:16
